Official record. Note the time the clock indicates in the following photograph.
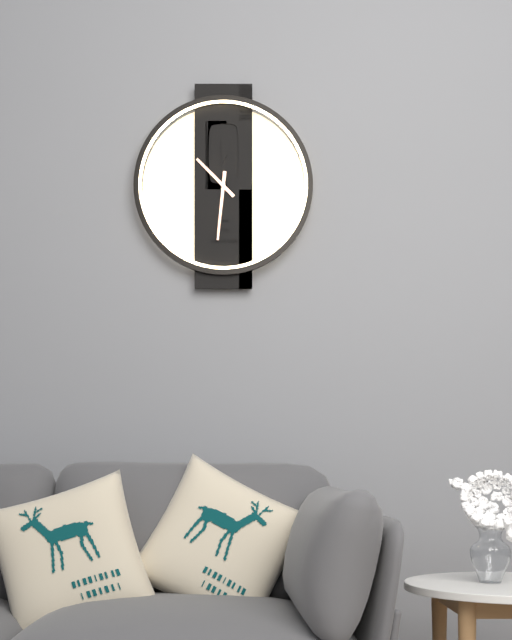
10:31
